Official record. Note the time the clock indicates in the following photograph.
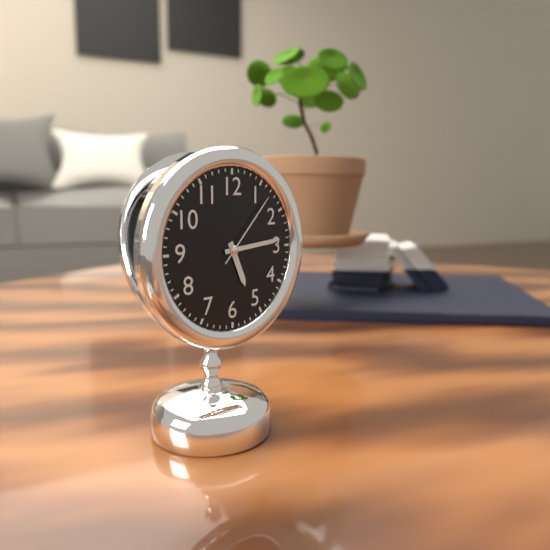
5:14:07
